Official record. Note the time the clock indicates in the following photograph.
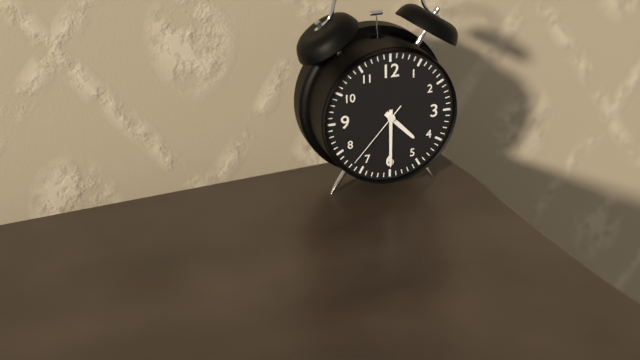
4:30:37
